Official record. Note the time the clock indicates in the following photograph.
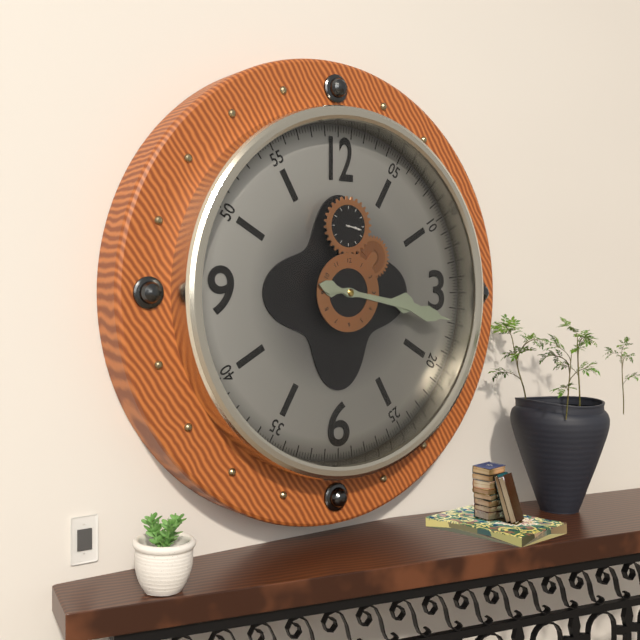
3:17
